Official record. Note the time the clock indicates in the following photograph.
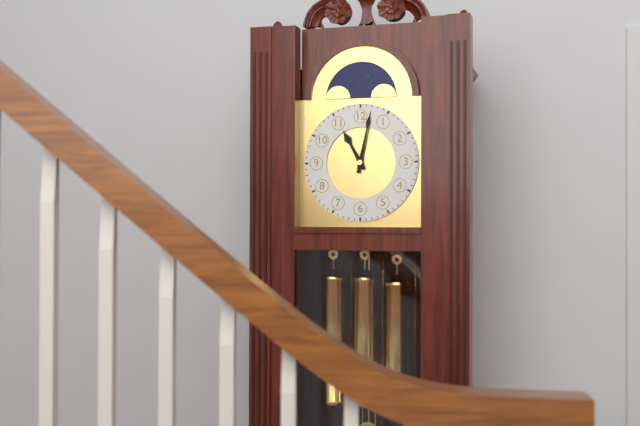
11:02
